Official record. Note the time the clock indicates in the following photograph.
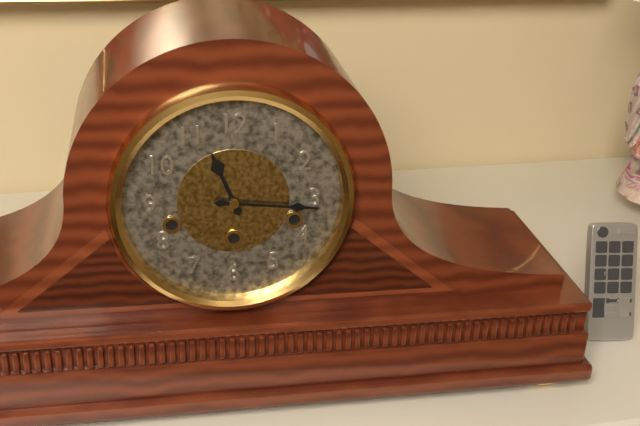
11:16
